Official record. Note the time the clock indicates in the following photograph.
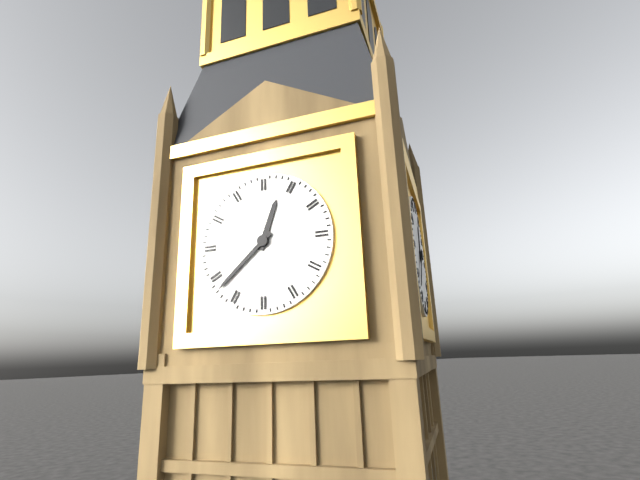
12:38
